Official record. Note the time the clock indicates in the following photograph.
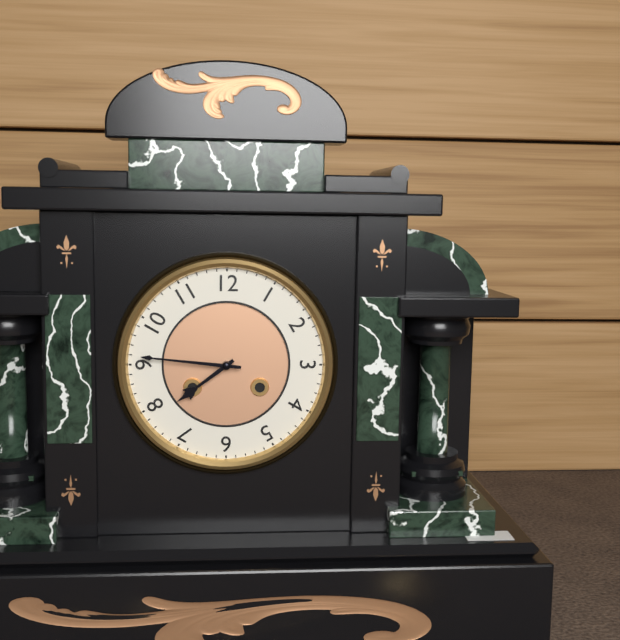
7:46
